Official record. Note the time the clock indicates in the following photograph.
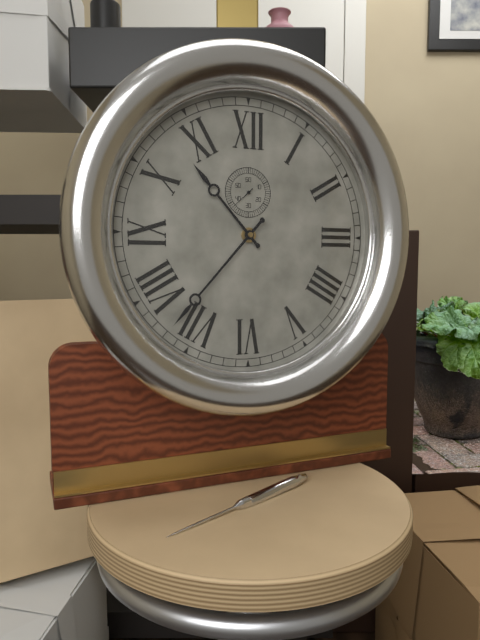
10:37
